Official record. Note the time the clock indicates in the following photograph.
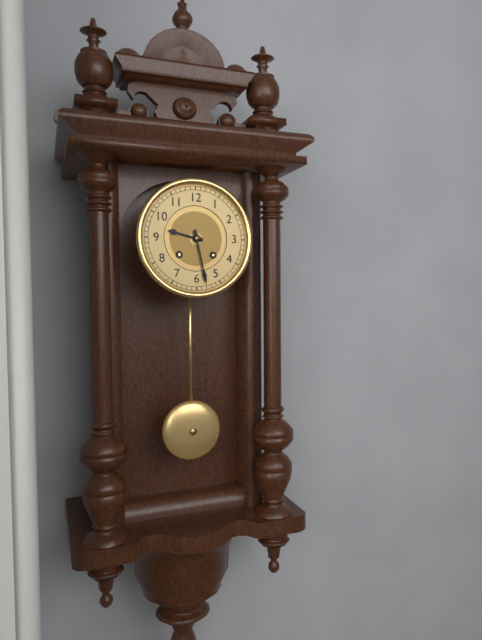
9:28
